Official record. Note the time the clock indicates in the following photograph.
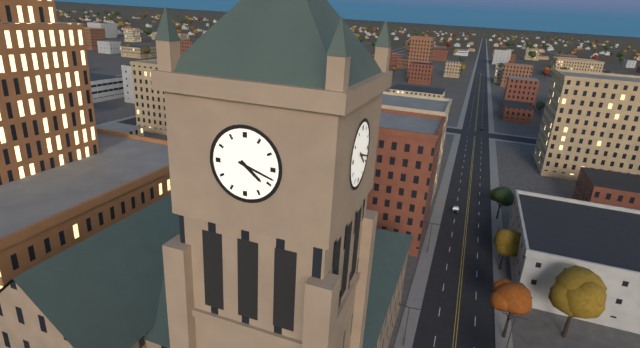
4:18
